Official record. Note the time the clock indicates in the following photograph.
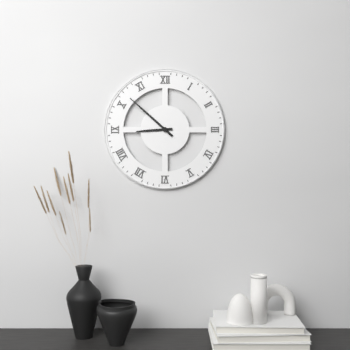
8:52
